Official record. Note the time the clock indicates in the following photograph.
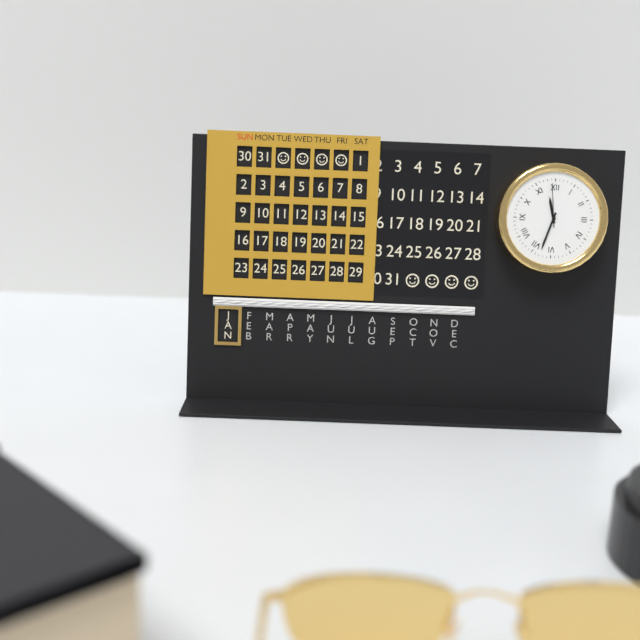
11:33
